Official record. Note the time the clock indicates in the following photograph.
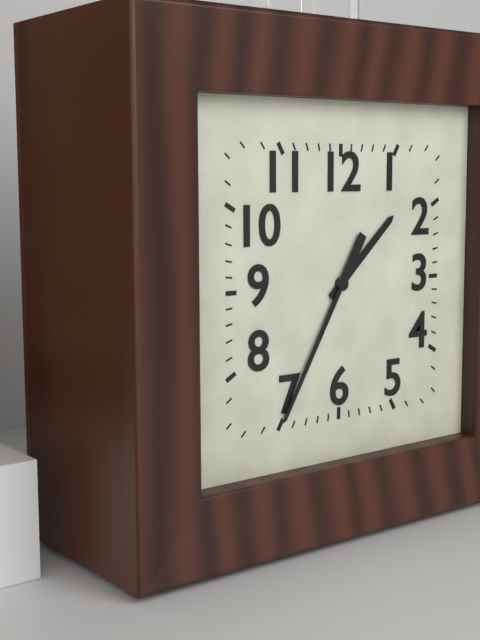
1:35
